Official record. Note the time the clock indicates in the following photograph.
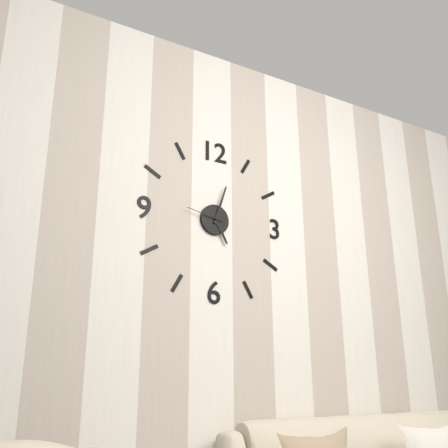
5:03
